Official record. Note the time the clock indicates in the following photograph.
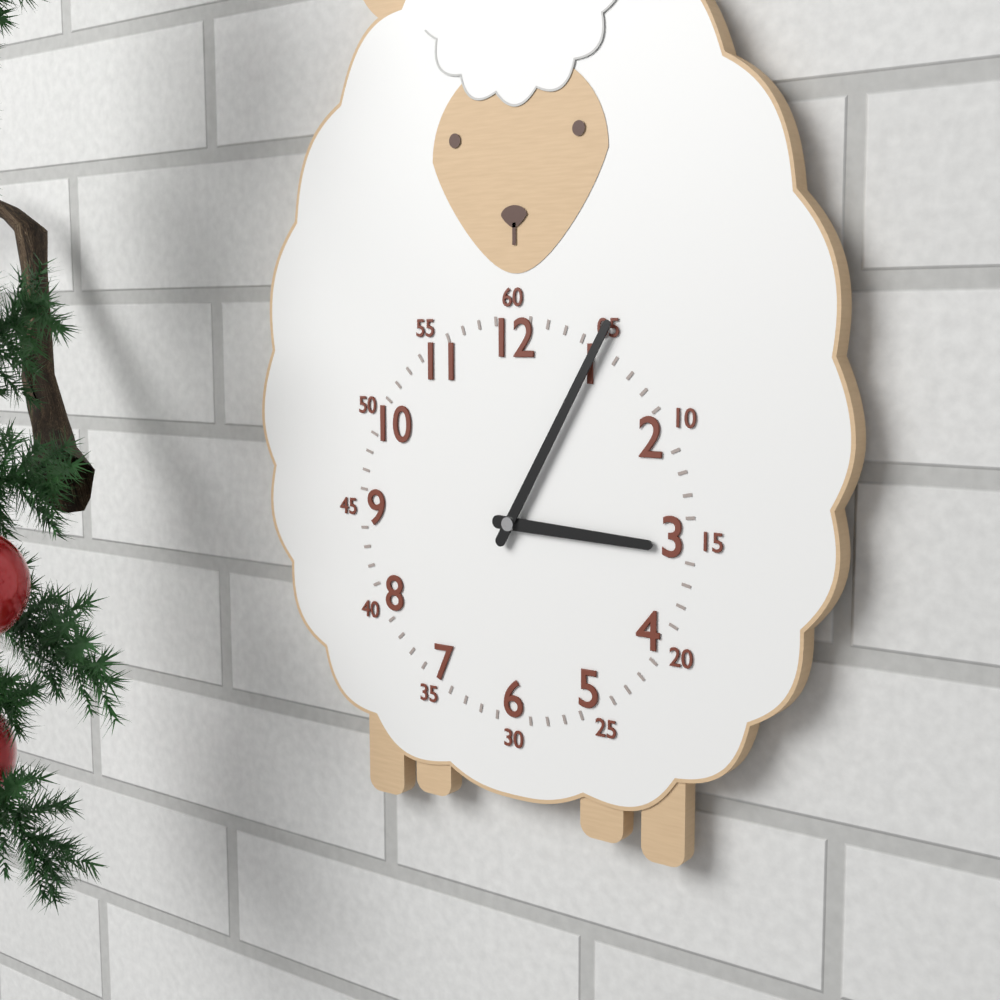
3:05
